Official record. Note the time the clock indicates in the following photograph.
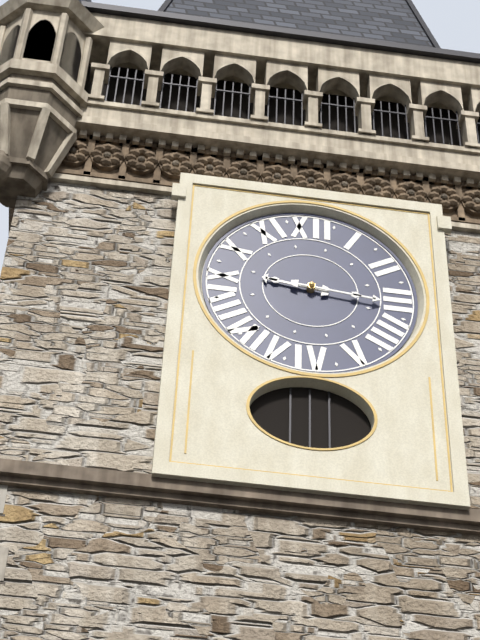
9:16
